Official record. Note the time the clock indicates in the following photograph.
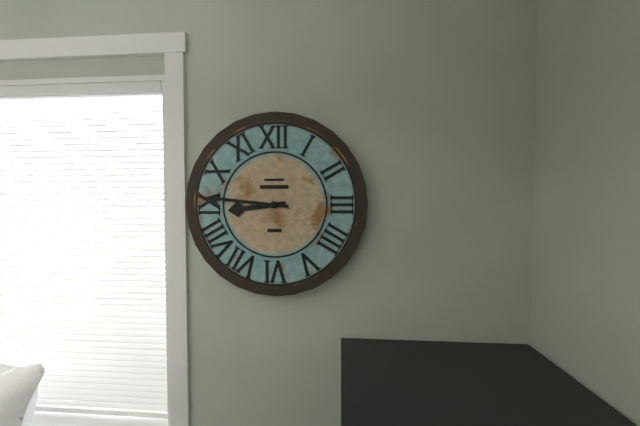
8:46
